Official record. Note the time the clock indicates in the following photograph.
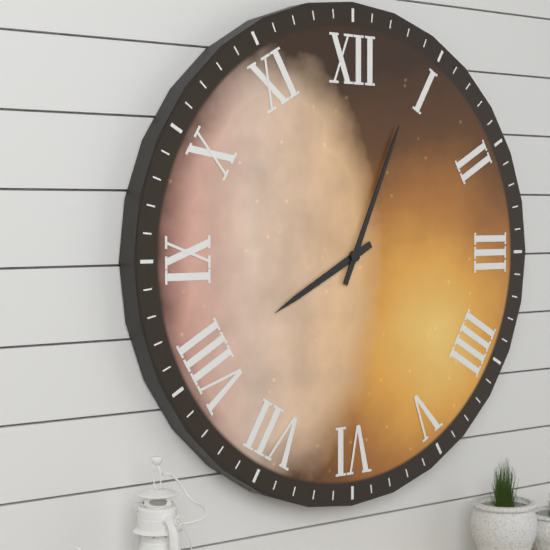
8:04
